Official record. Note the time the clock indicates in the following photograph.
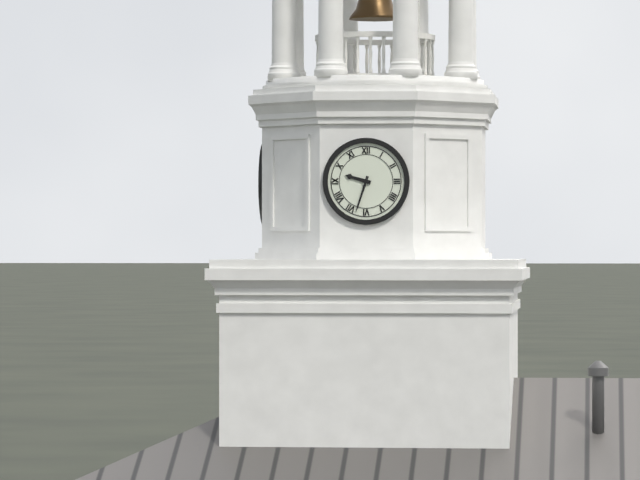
9:33
